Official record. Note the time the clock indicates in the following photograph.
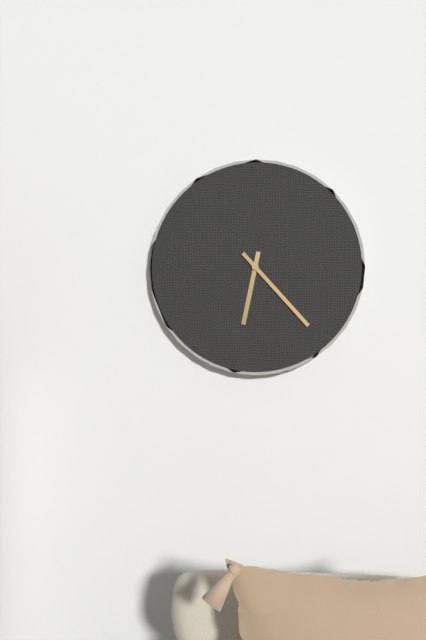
6:23
